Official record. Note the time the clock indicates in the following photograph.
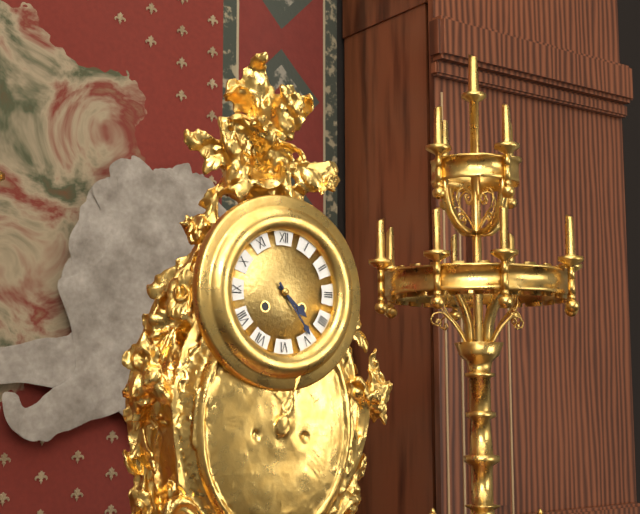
4:24
